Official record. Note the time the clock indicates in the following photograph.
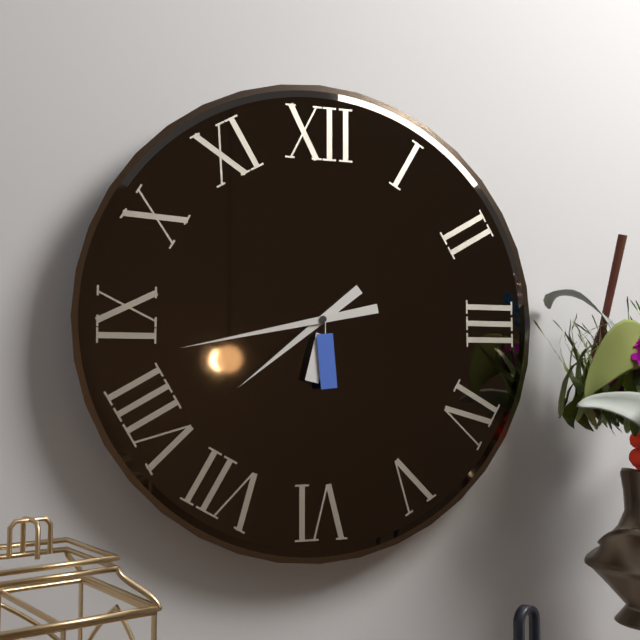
7:43
